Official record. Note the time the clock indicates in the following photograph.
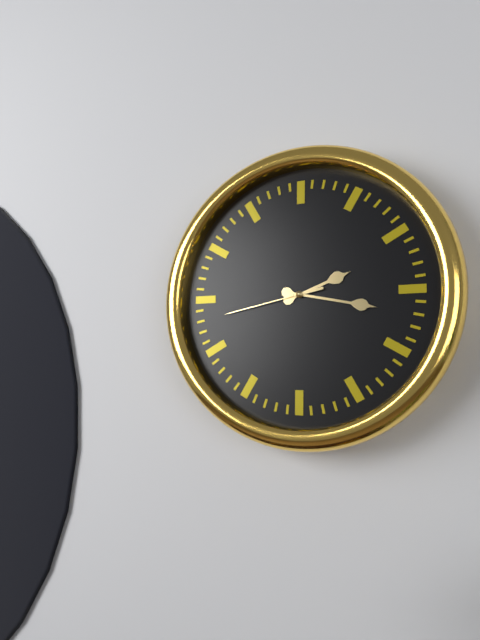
2:17:43
